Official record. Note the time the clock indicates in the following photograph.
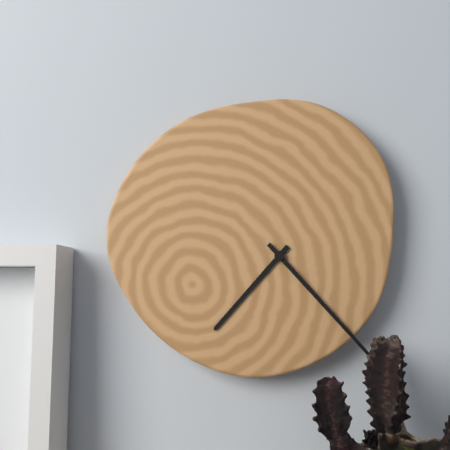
7:23
